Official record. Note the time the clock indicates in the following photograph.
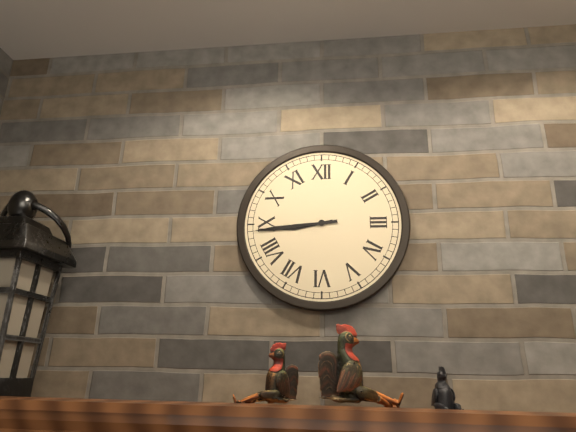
8:44
